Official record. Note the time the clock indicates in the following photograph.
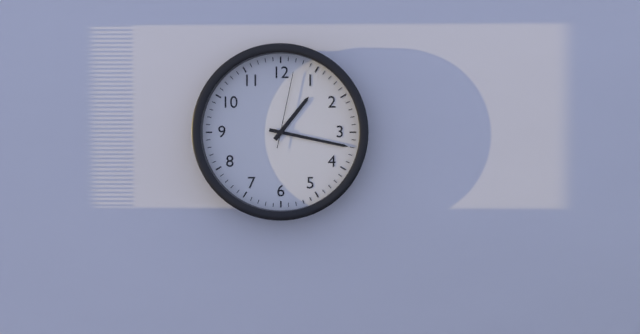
1:17:02
